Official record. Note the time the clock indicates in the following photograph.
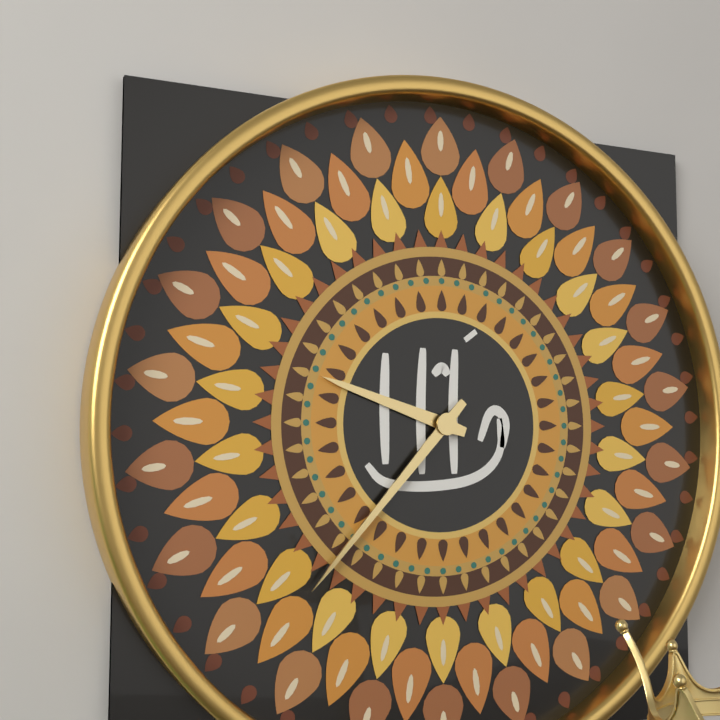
9:37
